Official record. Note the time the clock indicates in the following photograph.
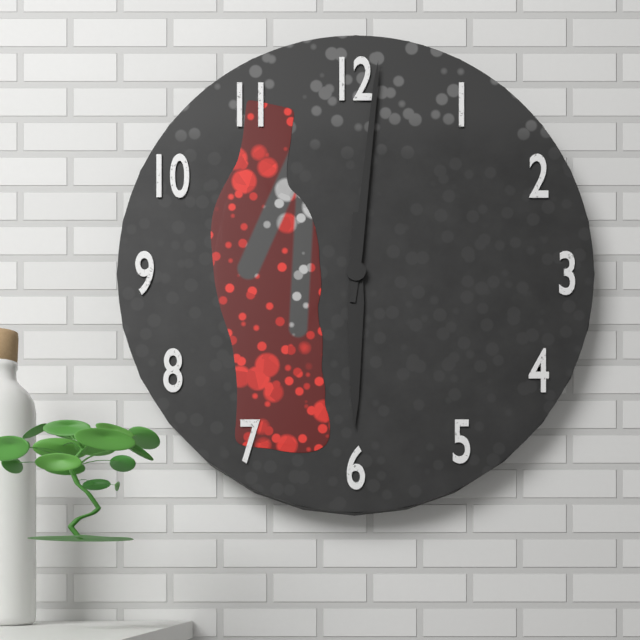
6:01
